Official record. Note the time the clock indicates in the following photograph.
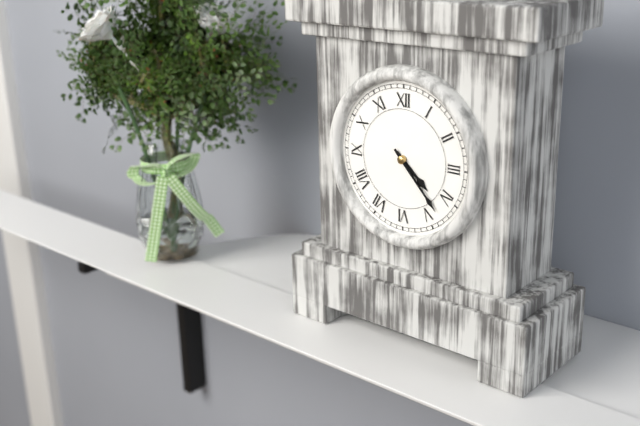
4:23
